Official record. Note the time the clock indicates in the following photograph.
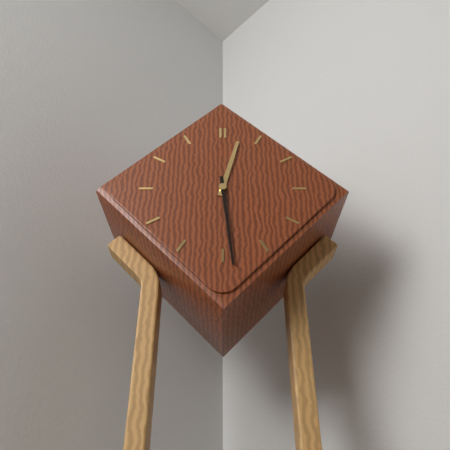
12:29
